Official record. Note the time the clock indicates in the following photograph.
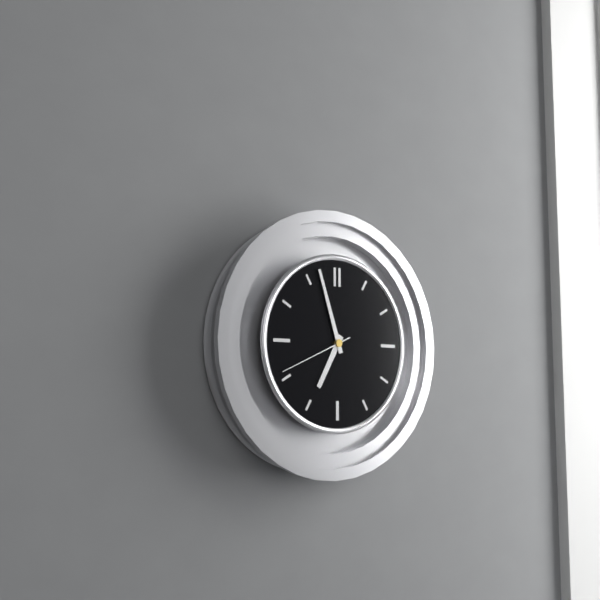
6:57:41
